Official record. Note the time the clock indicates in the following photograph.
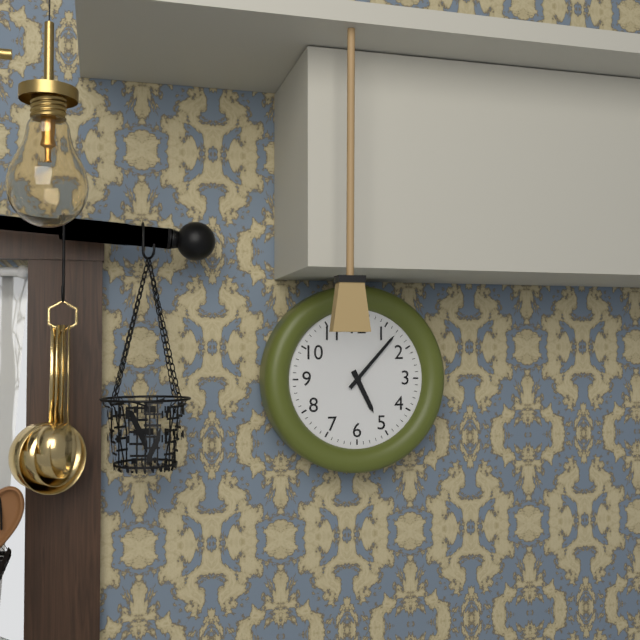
5:07
